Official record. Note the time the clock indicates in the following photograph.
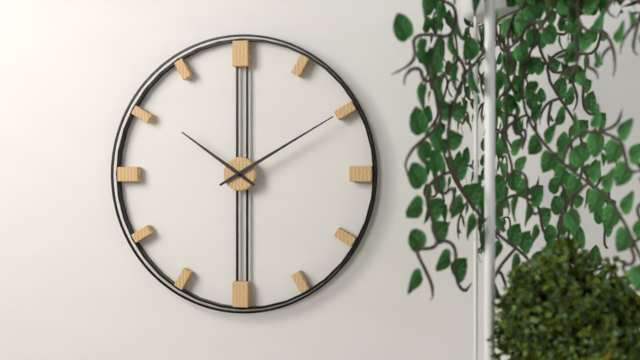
10:10
